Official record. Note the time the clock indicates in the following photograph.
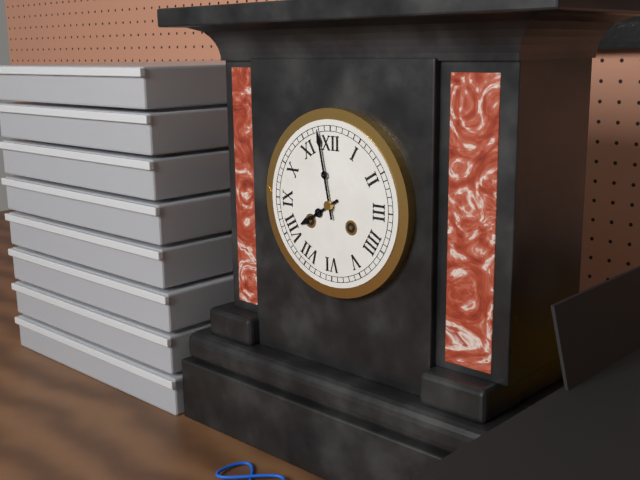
7:58
